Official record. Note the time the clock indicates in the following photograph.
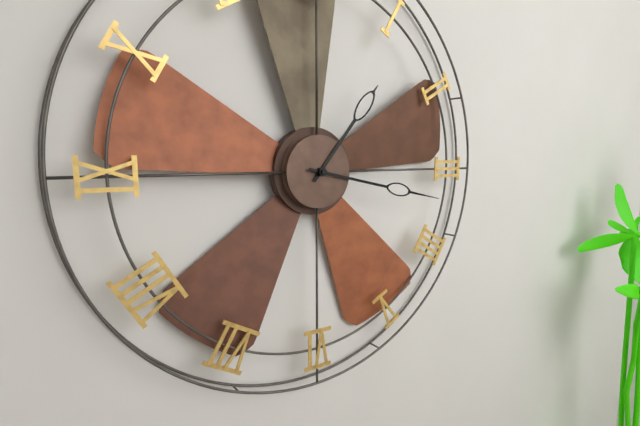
1:17
